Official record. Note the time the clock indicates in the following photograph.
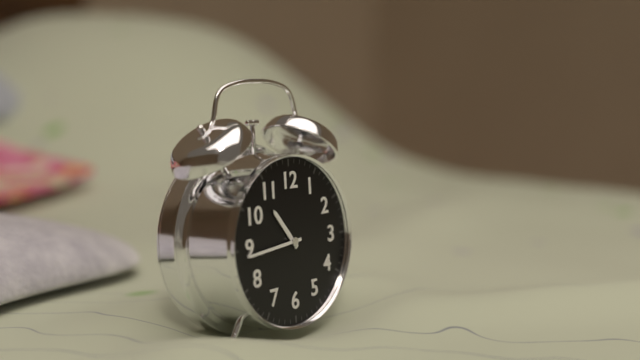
10:44
